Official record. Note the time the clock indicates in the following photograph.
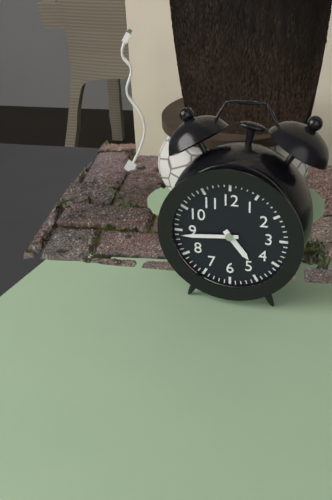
4:44
